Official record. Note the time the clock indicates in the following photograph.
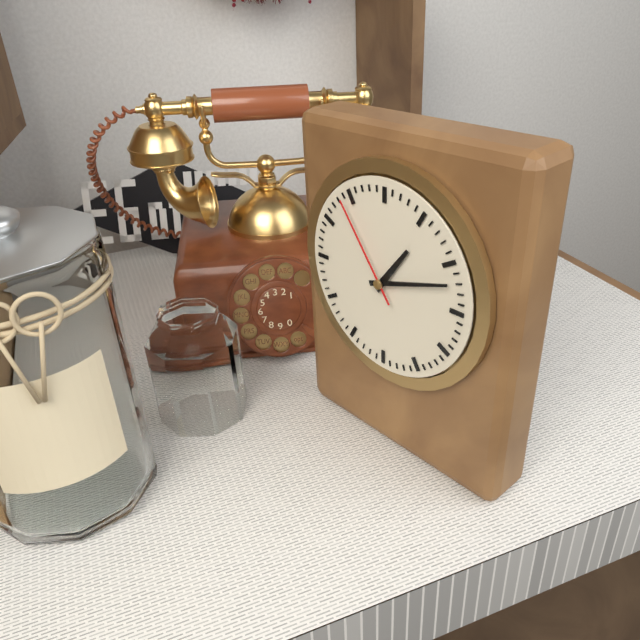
1:12:54
